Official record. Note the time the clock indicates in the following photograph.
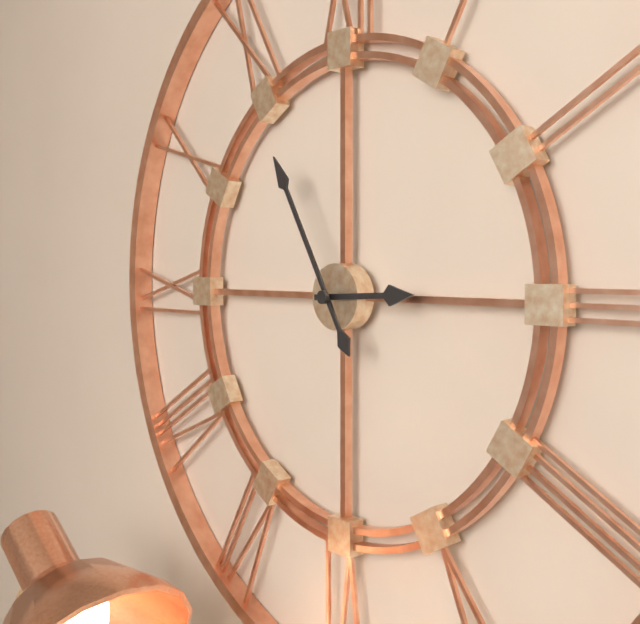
2:55
